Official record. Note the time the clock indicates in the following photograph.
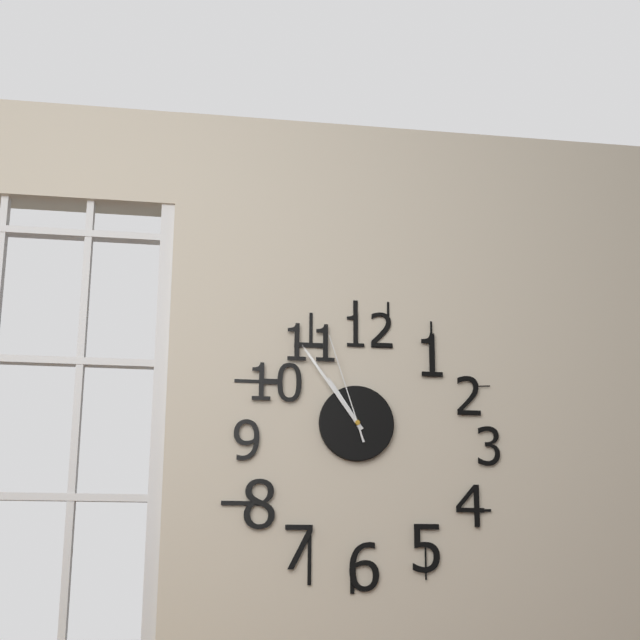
10:54:57
